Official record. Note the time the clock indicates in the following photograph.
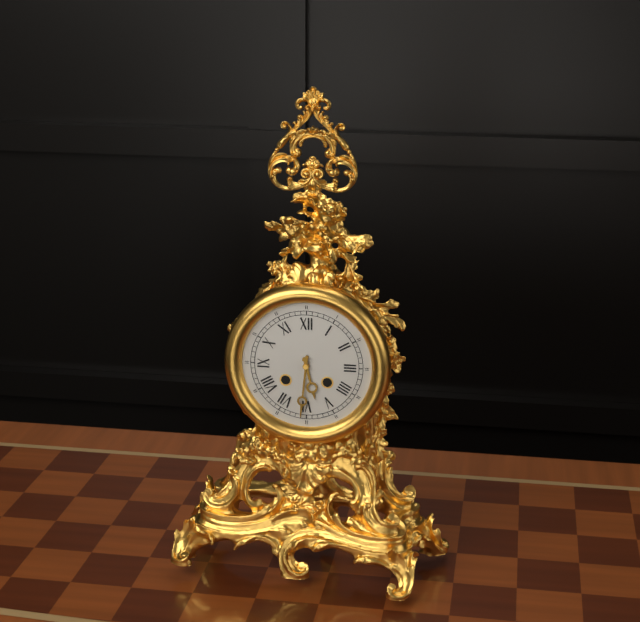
5:31
